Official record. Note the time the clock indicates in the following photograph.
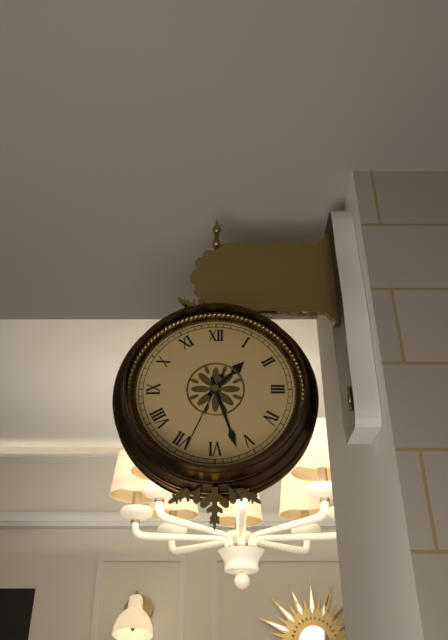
1:27:34
